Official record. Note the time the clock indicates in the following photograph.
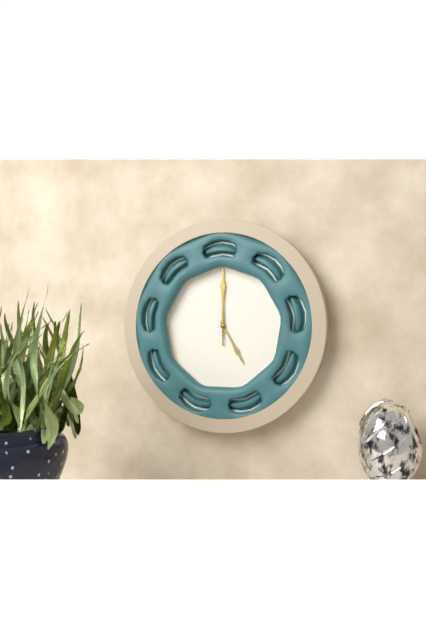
5:00
